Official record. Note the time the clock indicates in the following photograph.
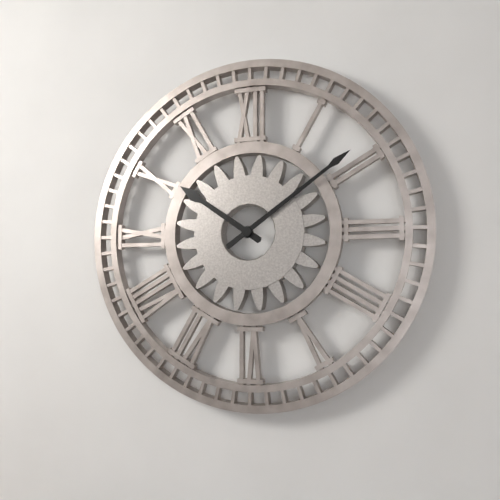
10:09
